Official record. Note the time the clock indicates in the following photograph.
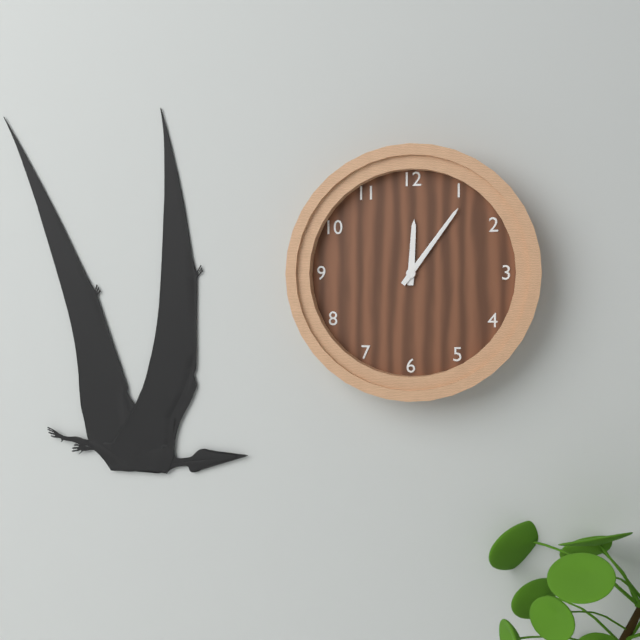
12:06
